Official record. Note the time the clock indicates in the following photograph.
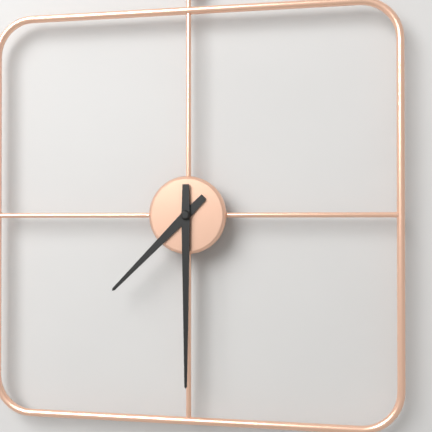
7:30
